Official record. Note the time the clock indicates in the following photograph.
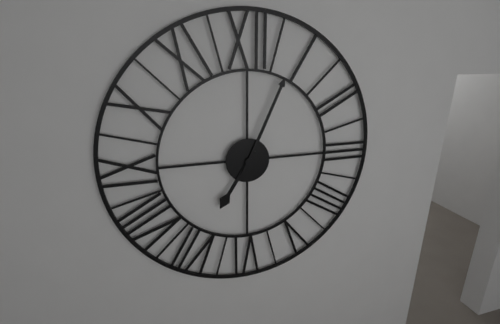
7:04
